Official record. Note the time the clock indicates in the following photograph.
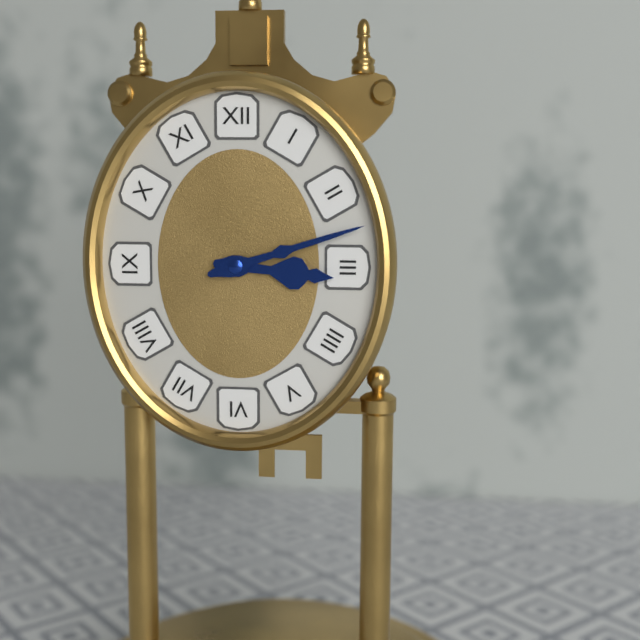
3:12
